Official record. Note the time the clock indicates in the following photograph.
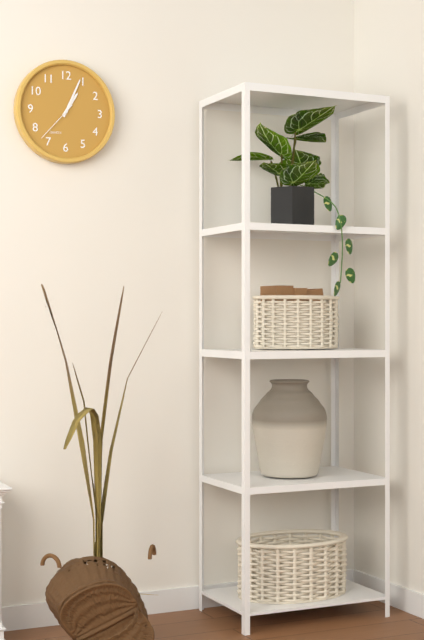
1:04
